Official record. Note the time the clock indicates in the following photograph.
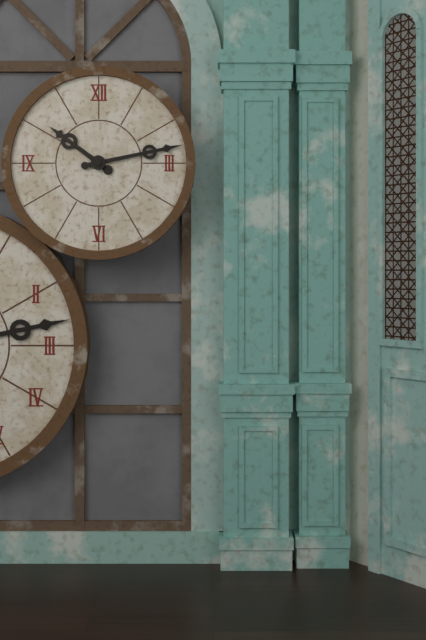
10:13
